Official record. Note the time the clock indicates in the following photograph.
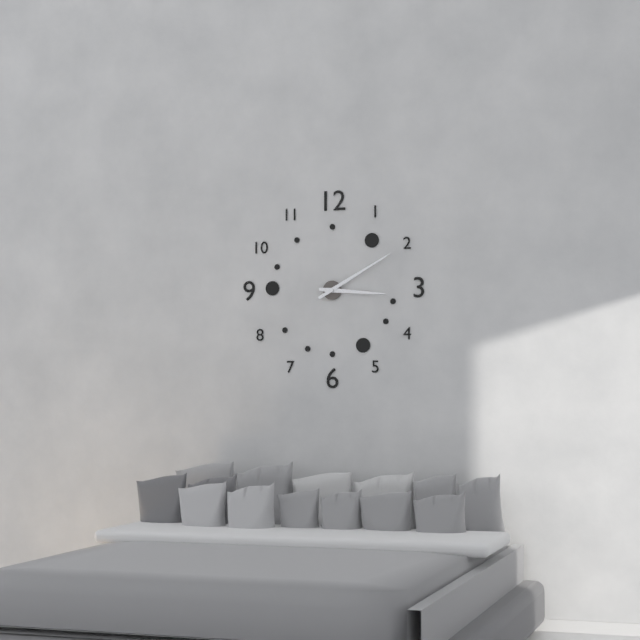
3:10
